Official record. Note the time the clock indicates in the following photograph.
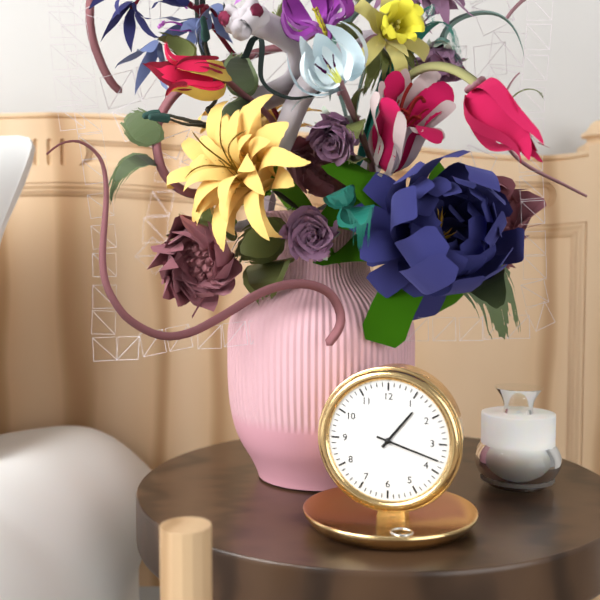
1:18
